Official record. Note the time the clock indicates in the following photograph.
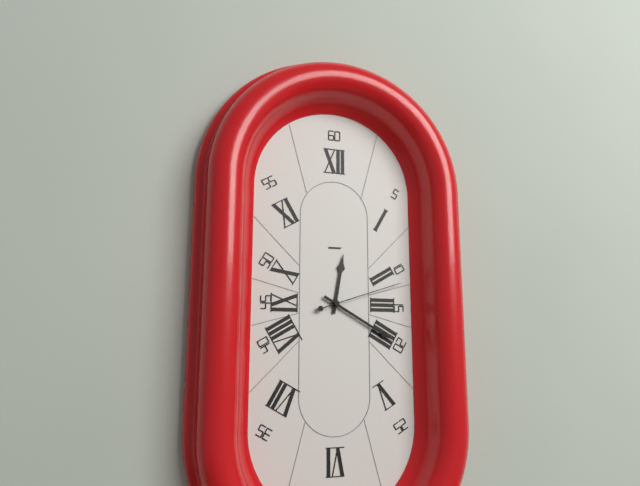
12:20:12
